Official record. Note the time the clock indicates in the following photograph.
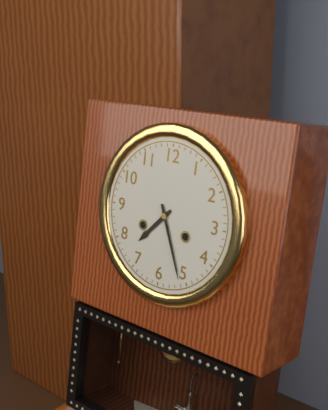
7:26
